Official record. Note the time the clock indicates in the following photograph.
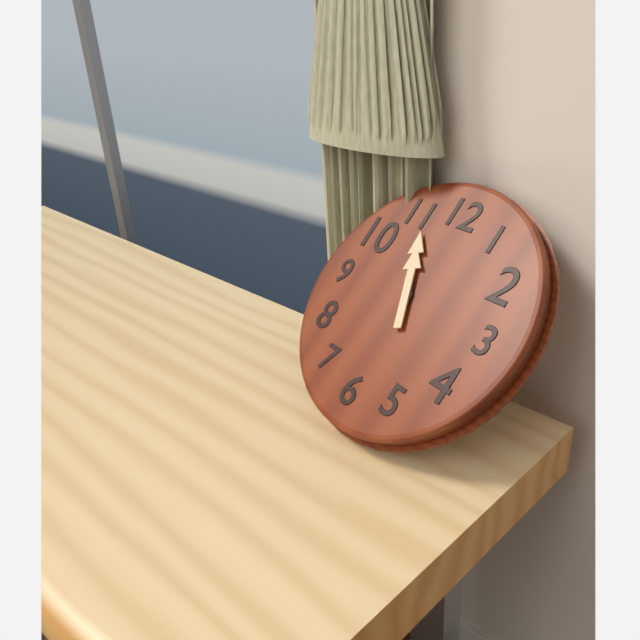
10:56
